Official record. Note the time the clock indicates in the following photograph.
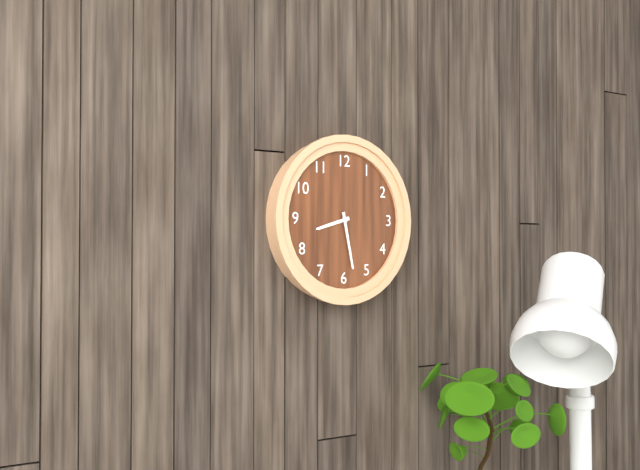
8:28
